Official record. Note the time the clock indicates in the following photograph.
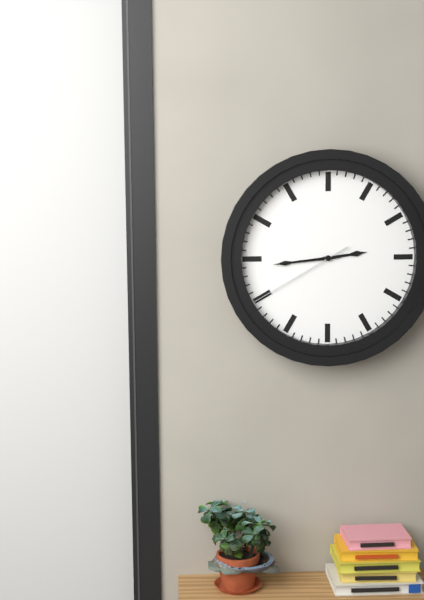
2:44:40
